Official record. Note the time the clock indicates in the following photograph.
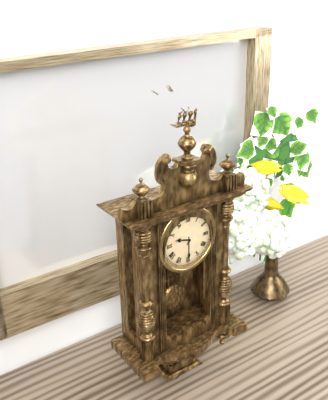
9:30
